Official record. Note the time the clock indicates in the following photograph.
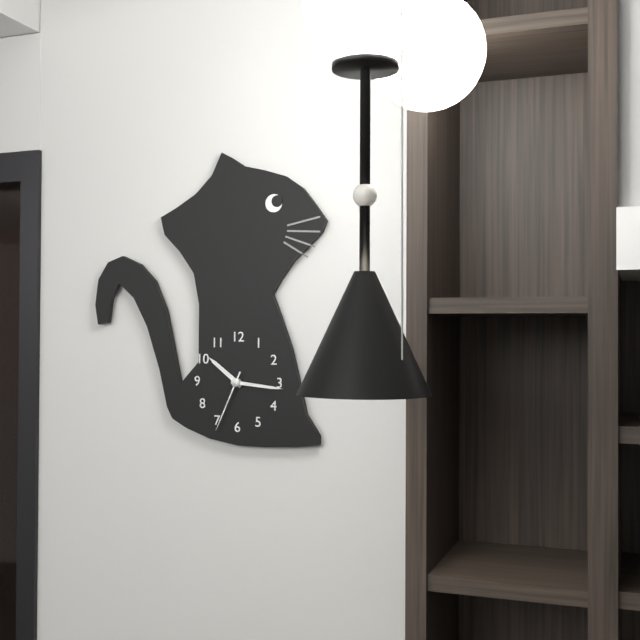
10:16:34
